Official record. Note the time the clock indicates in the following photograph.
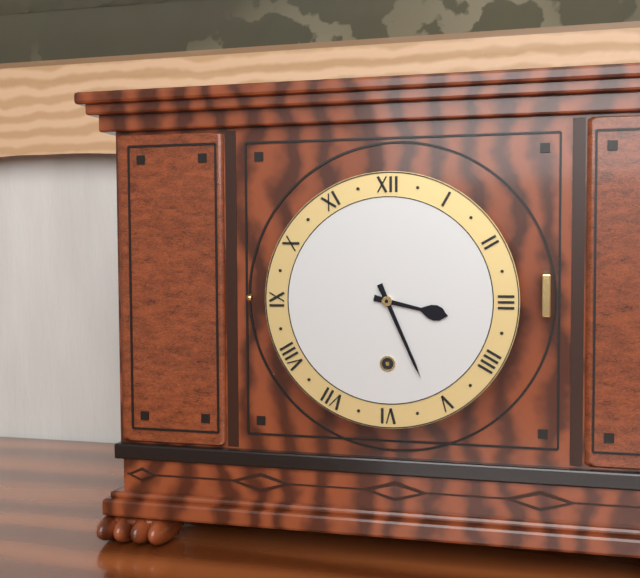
3:26
